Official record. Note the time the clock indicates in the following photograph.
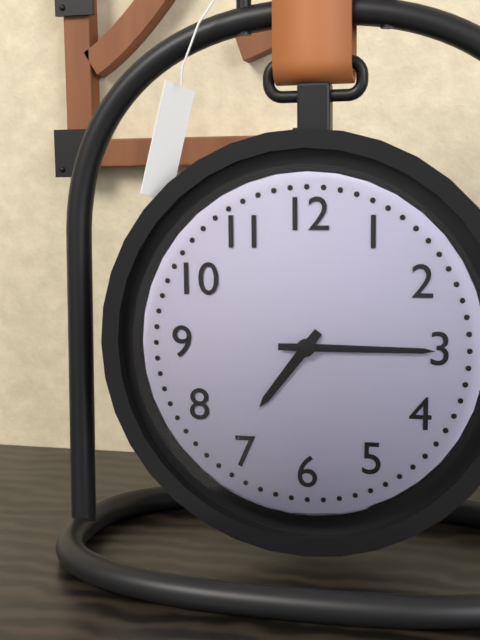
7:15
